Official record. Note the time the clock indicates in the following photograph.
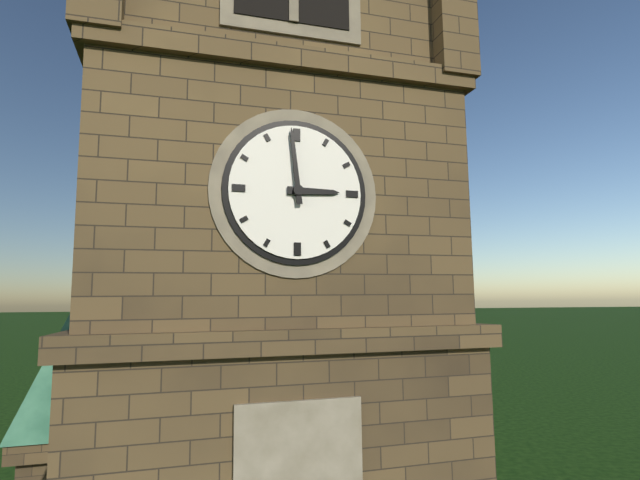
2:59
